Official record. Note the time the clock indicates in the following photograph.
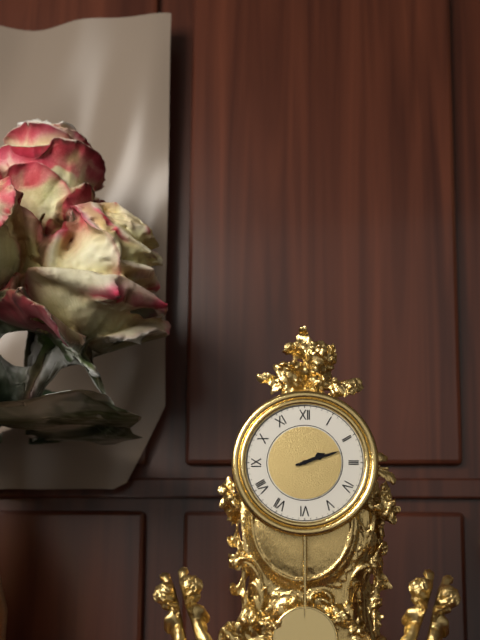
2:12
